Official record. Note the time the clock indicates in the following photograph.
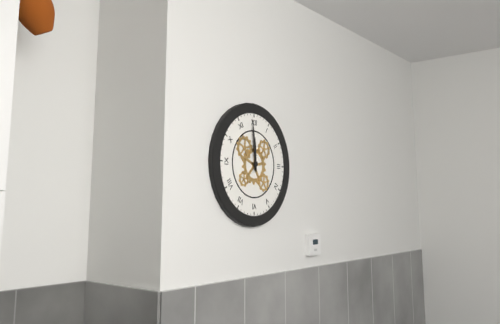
11:59
